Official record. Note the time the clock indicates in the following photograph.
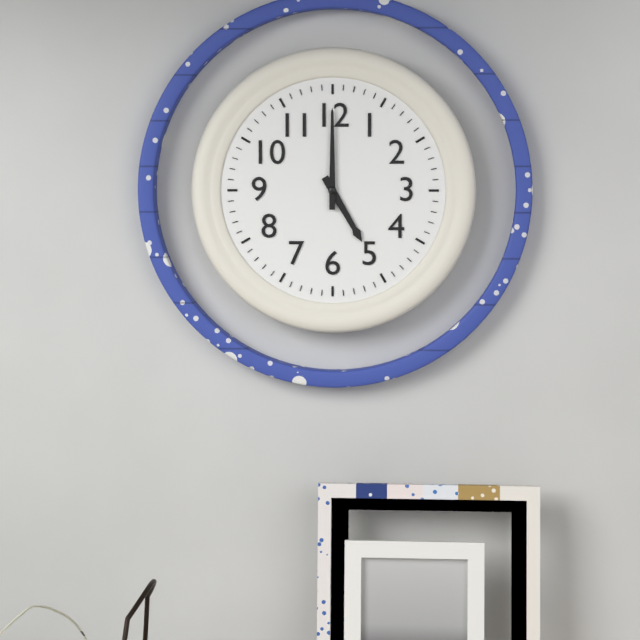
5:00
